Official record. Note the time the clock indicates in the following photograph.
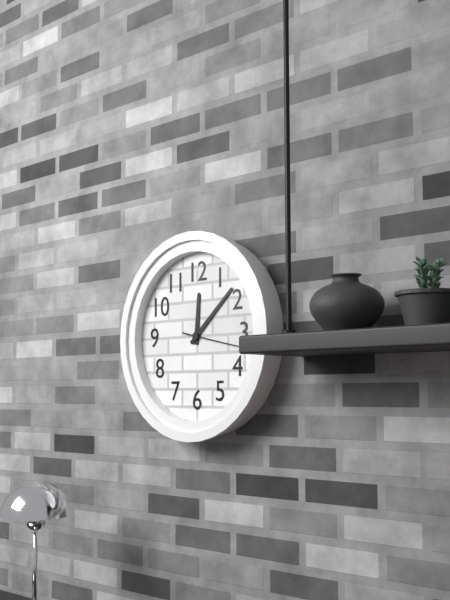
12:08:17
